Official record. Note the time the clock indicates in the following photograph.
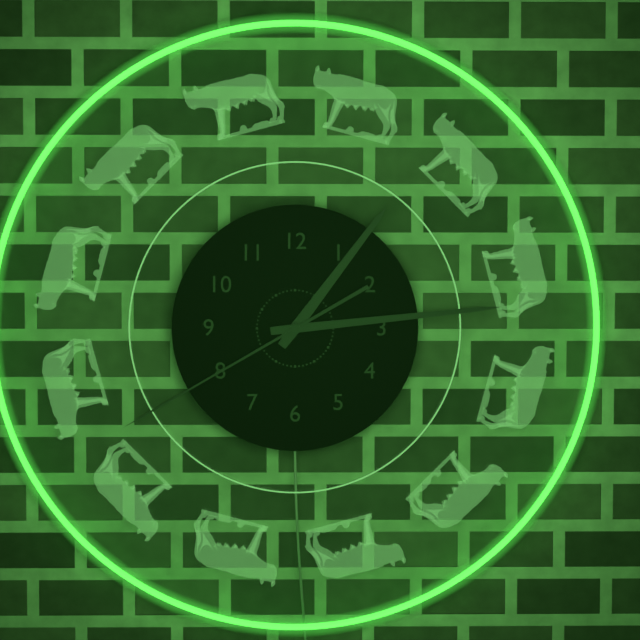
1:14:40
